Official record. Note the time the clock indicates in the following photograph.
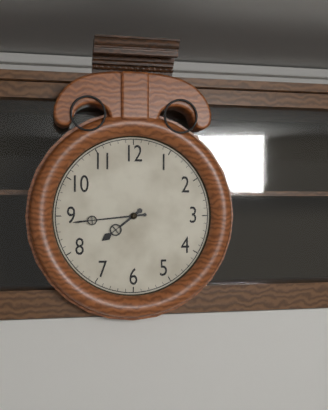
7:44
